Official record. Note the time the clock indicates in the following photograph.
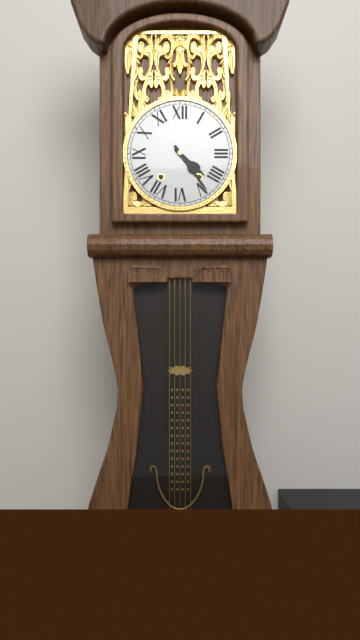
4:24
